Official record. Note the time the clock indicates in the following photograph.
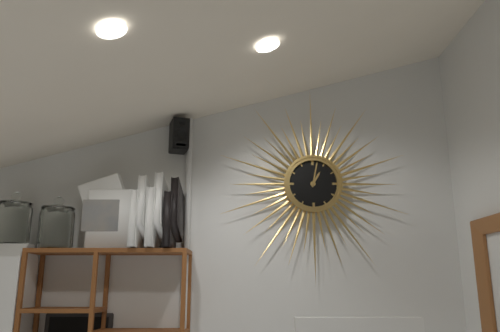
1:02
